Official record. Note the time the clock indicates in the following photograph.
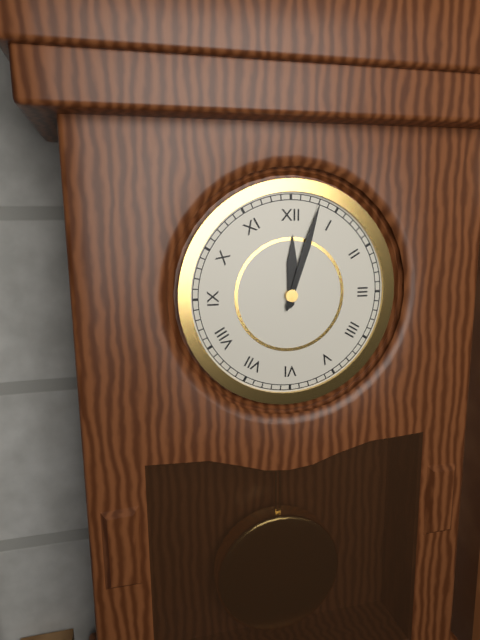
12:03
